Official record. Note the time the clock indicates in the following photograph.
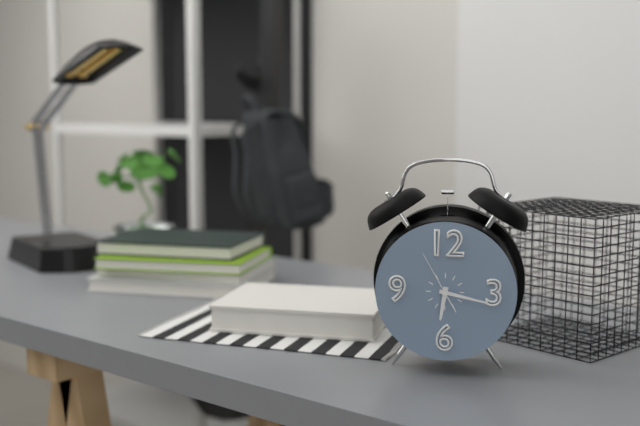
6:17:55
